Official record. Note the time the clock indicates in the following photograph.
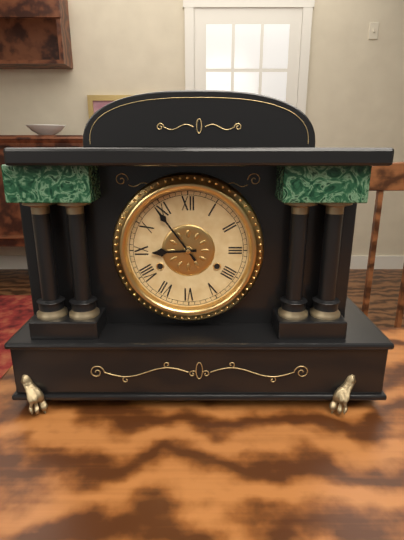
8:54
